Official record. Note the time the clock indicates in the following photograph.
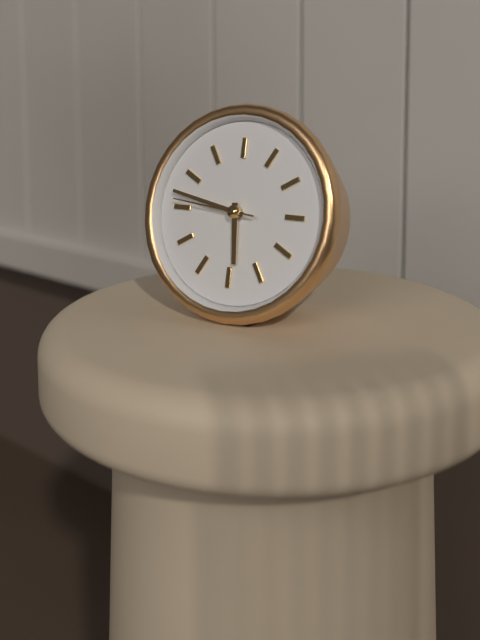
5:47:46
